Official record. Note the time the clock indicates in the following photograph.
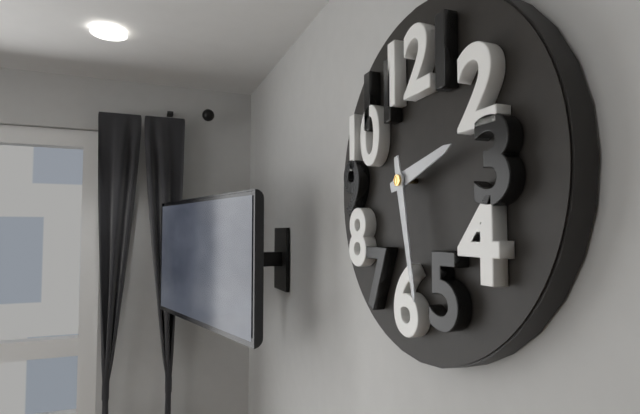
2:28
